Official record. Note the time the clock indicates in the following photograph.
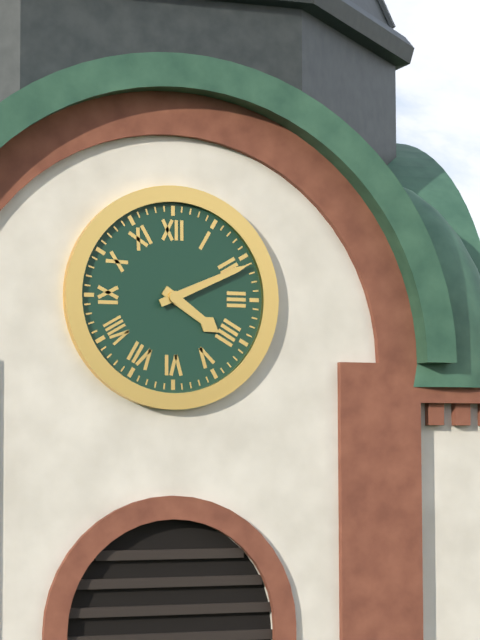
4:11
